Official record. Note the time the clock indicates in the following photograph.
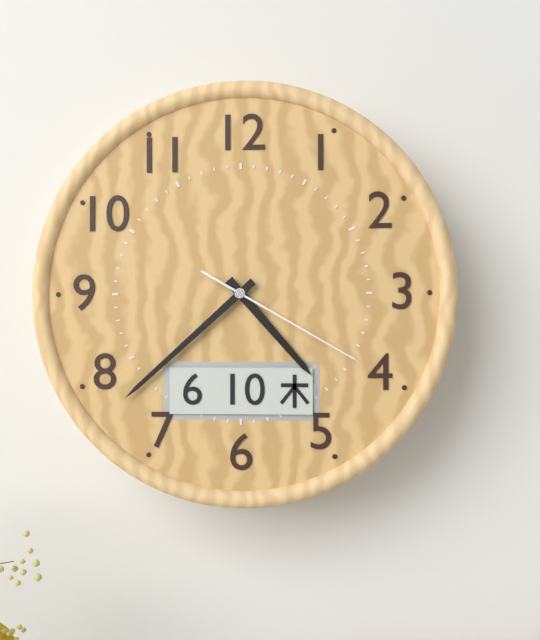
4:38:20
